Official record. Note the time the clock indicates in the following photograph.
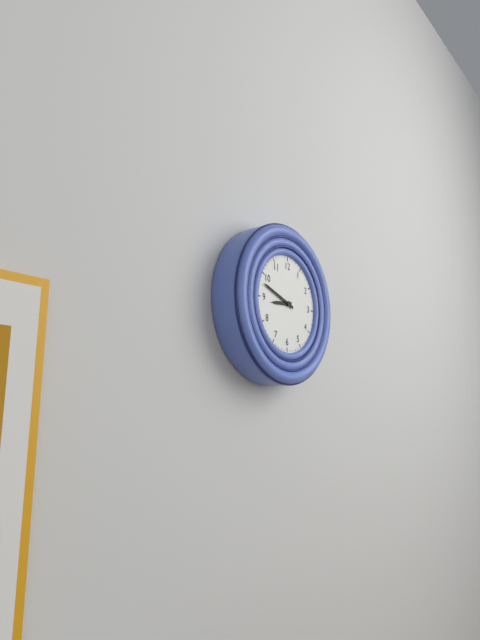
8:48
